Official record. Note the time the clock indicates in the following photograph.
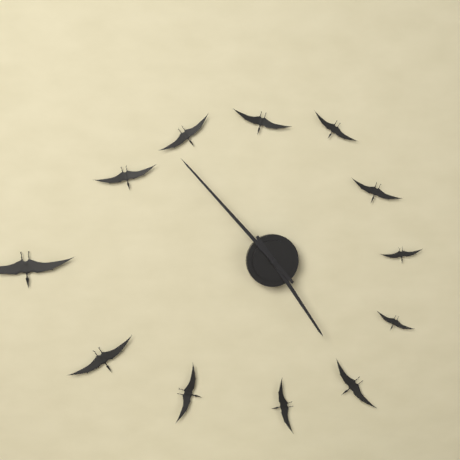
4:53
